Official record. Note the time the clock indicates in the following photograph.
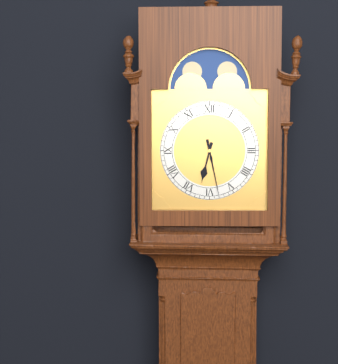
6:28
